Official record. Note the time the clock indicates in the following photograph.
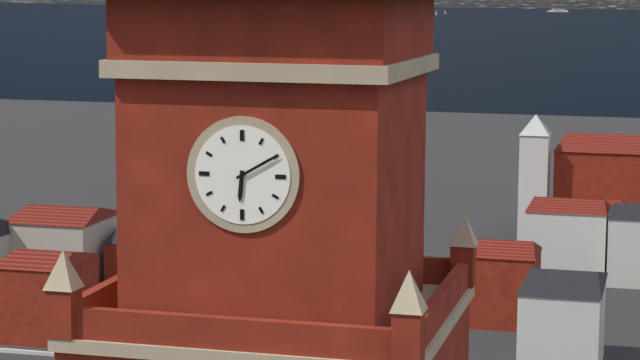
6:10
